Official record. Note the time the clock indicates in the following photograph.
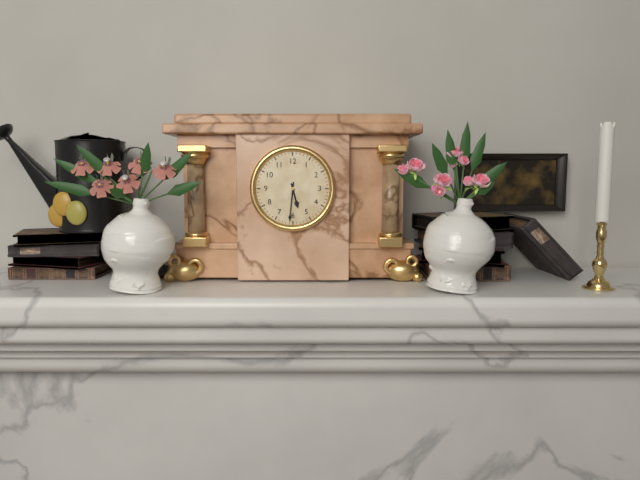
5:31
